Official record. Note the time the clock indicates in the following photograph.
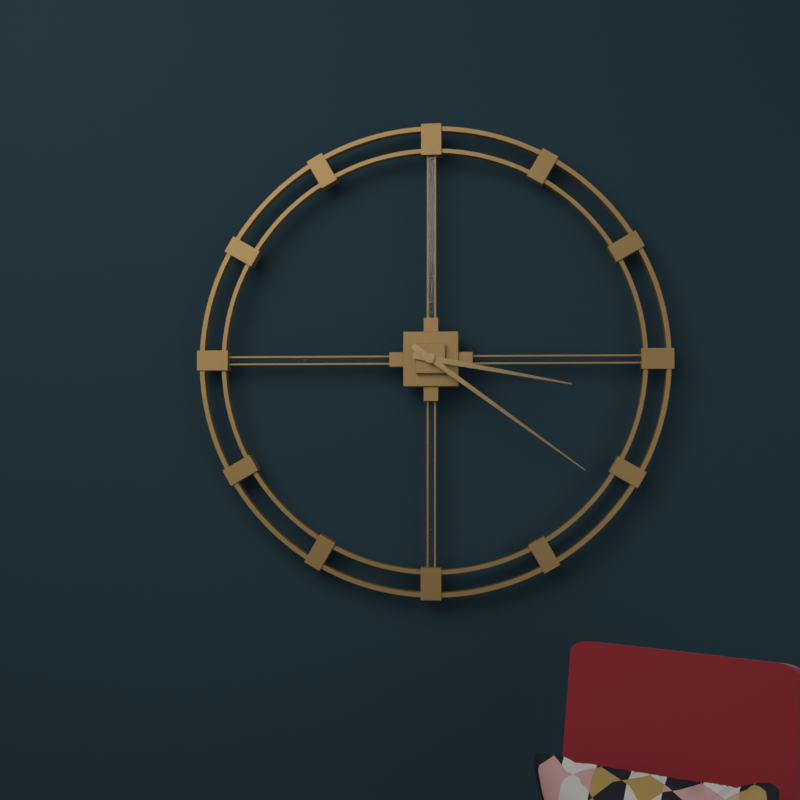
3:21
